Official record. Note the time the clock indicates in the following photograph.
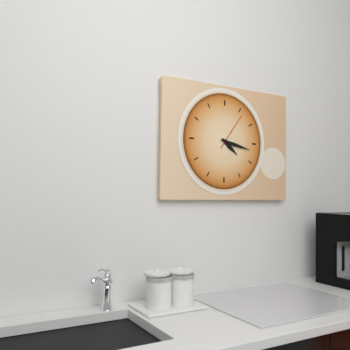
4:17
